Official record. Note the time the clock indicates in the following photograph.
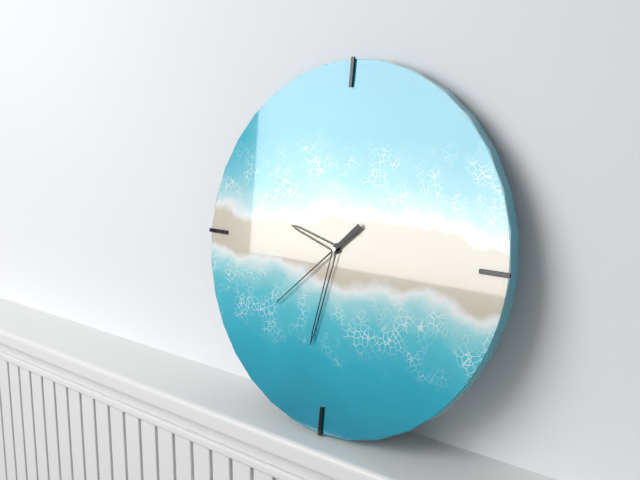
9:32:38
